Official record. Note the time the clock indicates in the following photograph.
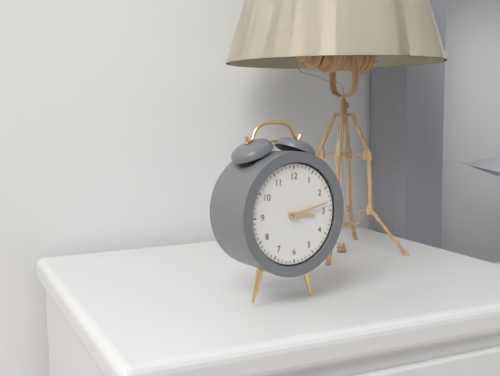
3:13
